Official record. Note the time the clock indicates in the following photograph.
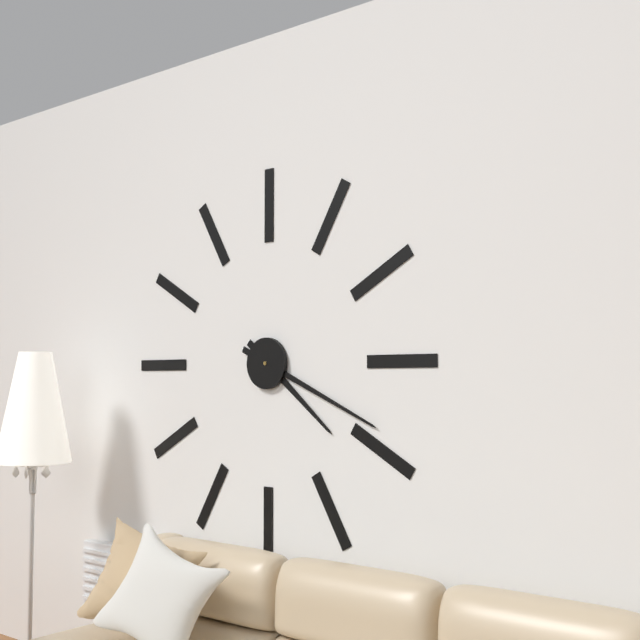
4:19
